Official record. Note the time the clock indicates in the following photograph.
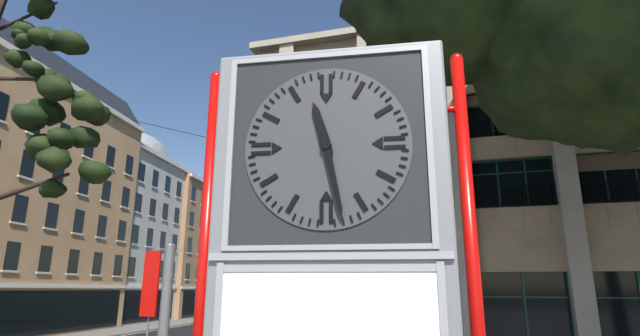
11:28
